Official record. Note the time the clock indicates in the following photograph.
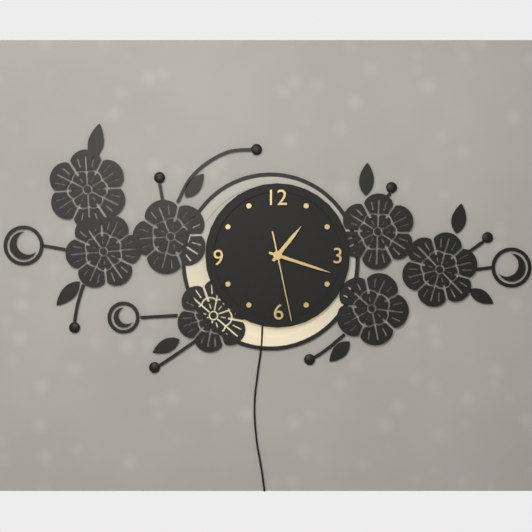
1:18:28
